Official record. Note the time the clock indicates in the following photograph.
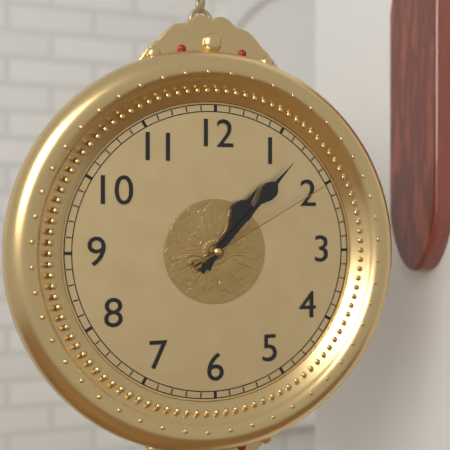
1:07:10
